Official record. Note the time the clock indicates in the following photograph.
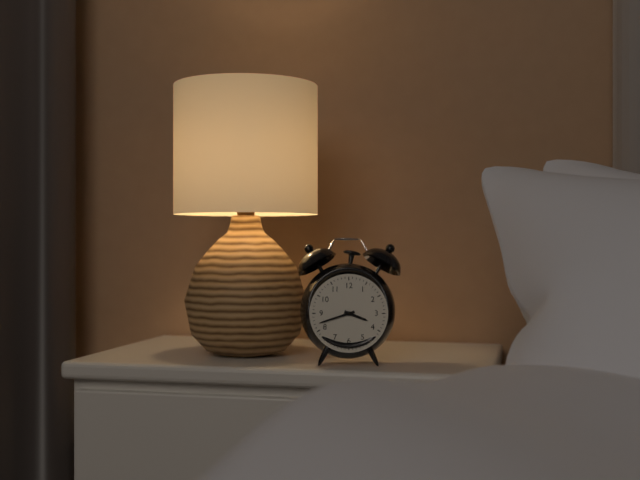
3:42
